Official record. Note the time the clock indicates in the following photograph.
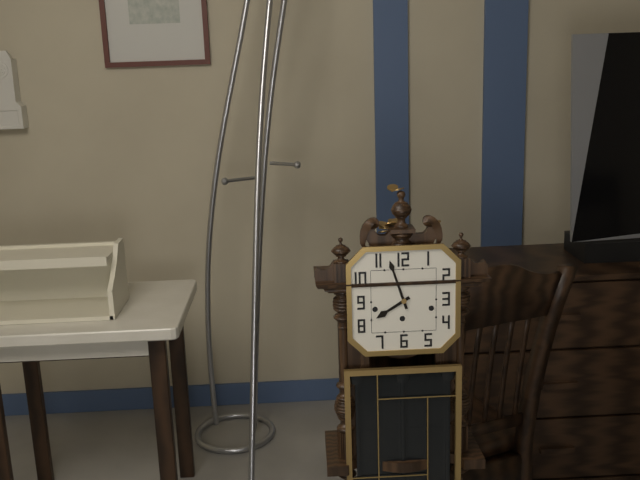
7:57
